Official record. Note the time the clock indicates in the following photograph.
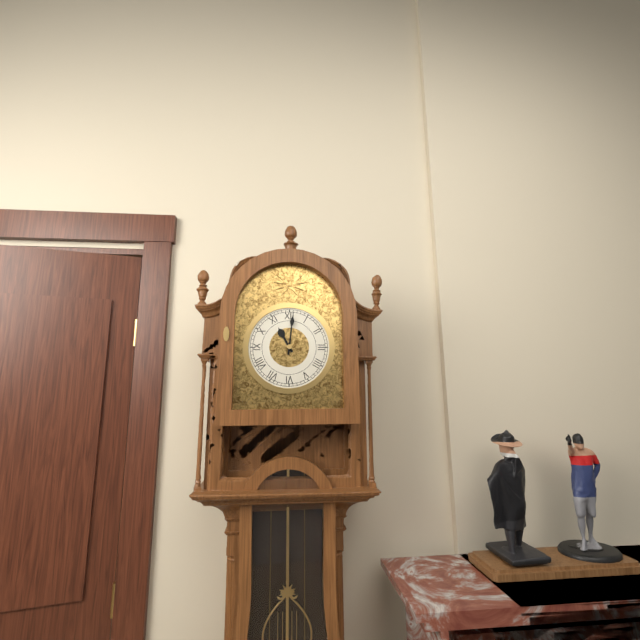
11:01
